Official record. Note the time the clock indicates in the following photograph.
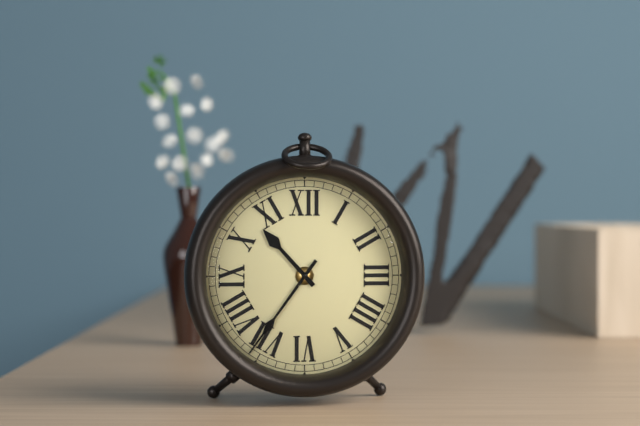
10:36
